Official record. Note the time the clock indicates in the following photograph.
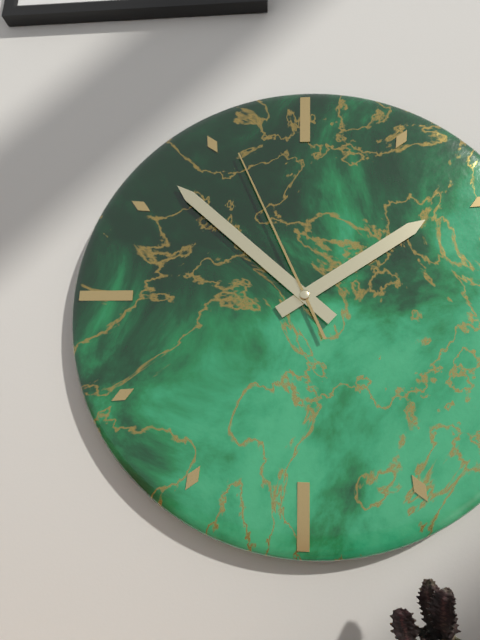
1:52:56
